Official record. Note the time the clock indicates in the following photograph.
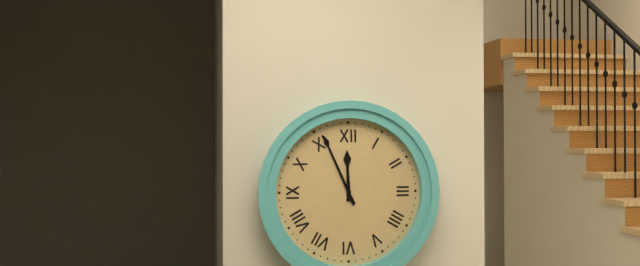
11:56
